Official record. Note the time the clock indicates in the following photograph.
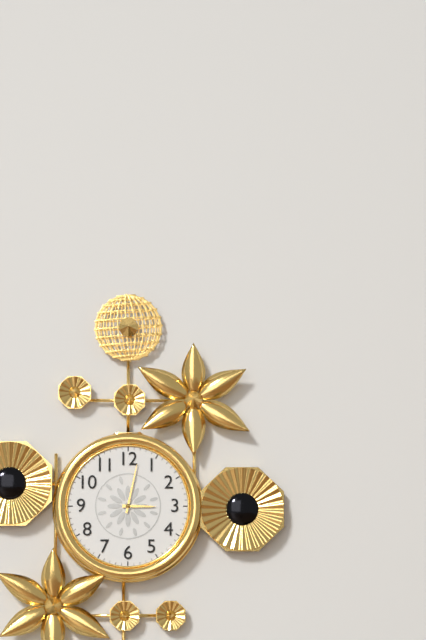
3:02
